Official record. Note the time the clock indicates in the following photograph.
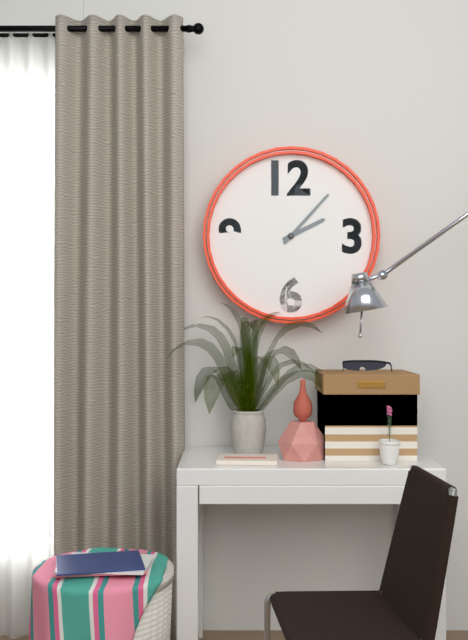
2:07
